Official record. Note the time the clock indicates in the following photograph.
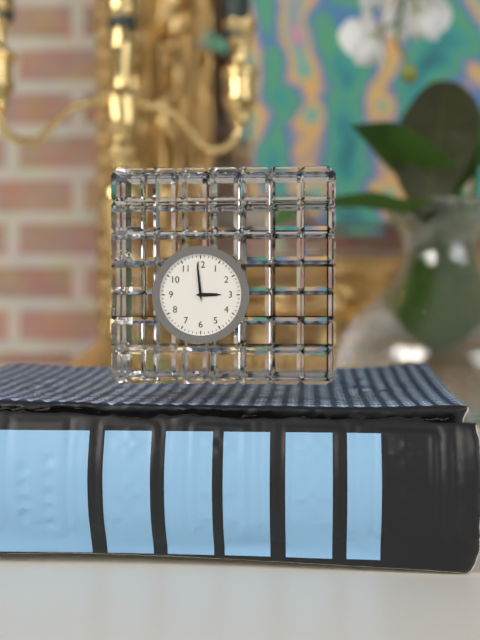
2:59
